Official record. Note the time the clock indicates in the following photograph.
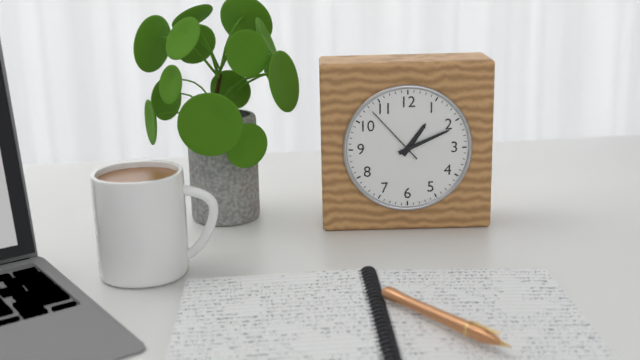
1:11:53
